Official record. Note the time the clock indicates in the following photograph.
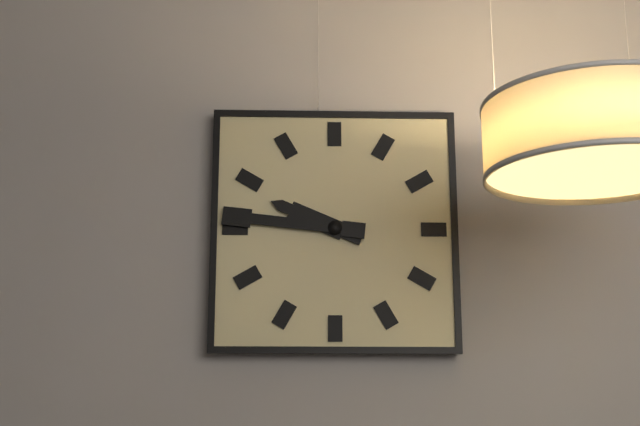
9:46
